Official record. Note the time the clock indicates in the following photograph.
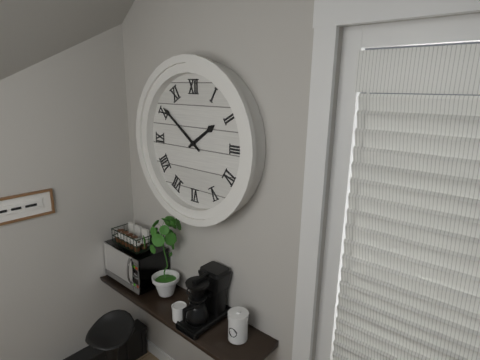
1:51
